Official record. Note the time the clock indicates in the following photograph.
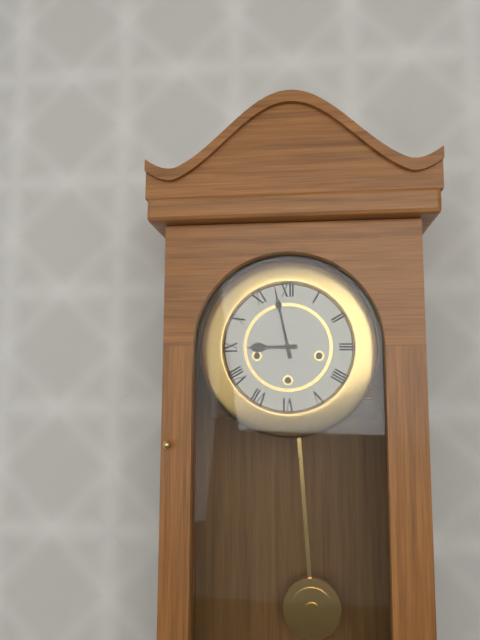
8:58
